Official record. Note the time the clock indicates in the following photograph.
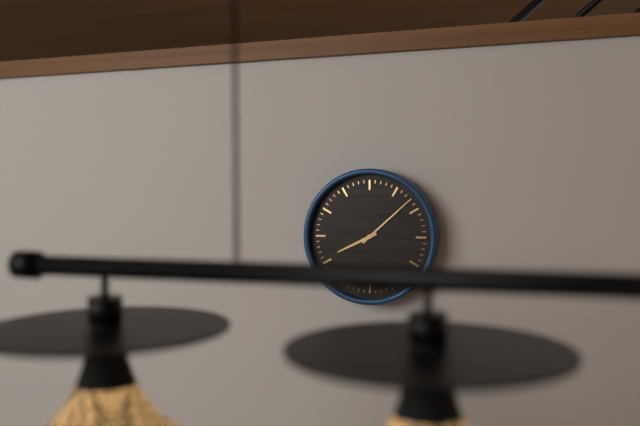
8:08
